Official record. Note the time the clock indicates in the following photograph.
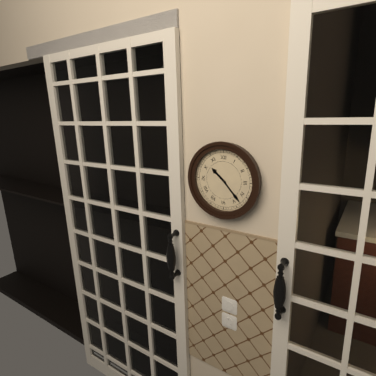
10:23
